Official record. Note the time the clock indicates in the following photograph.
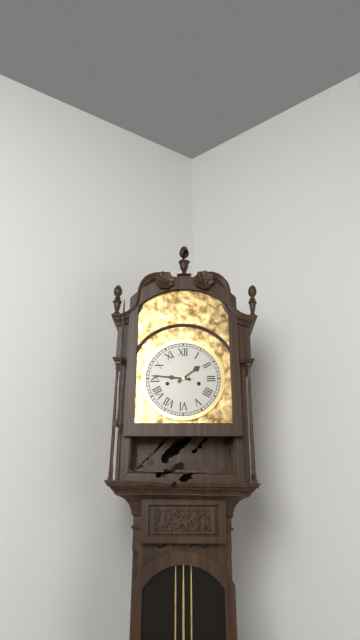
1:46
